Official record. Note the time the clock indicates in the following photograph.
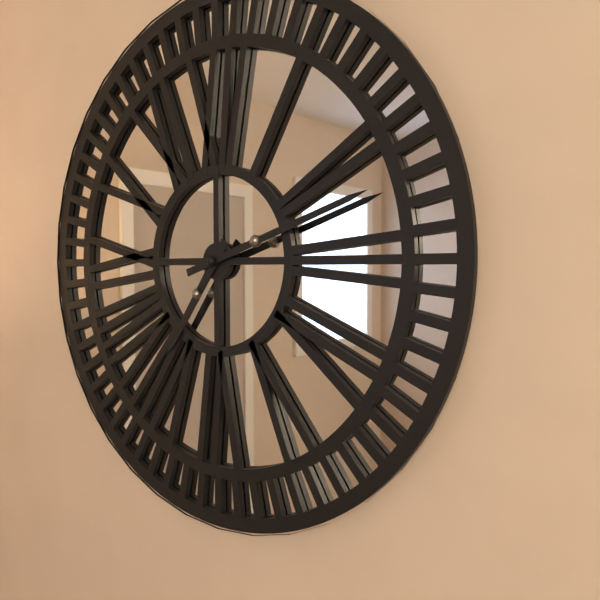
7:12
